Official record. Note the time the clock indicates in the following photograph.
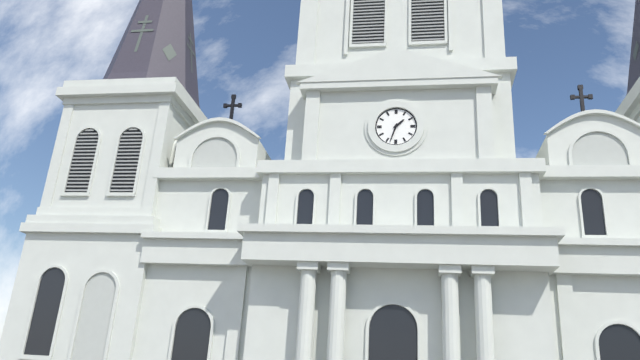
1:33
